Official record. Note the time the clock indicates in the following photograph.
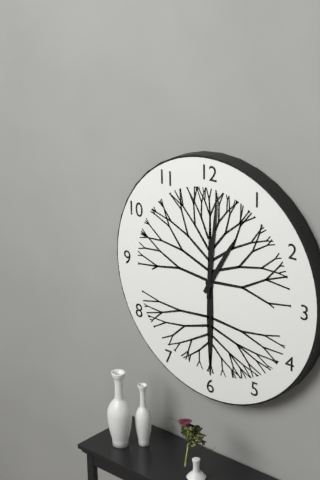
1:01
